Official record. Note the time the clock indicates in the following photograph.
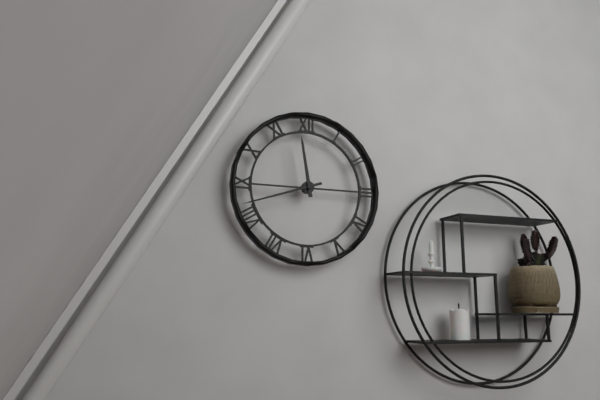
11:42
